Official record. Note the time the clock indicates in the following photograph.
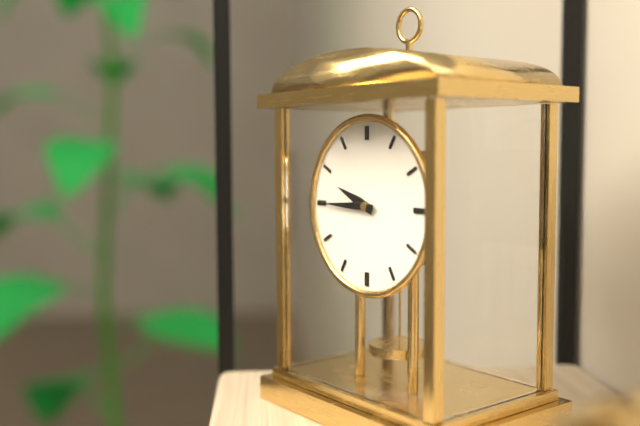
9:45
